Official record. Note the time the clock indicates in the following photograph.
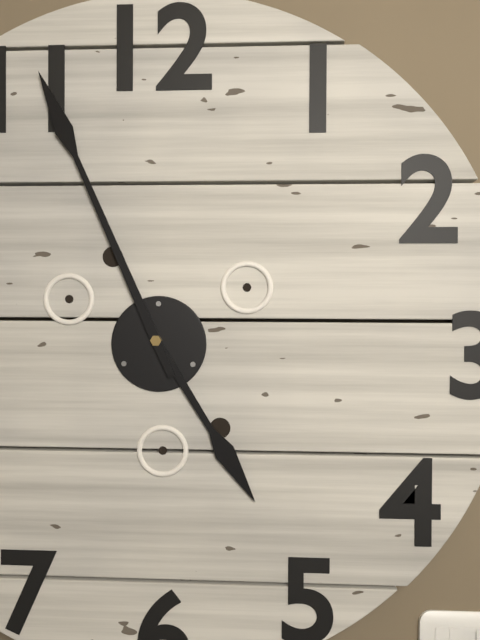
4:56
